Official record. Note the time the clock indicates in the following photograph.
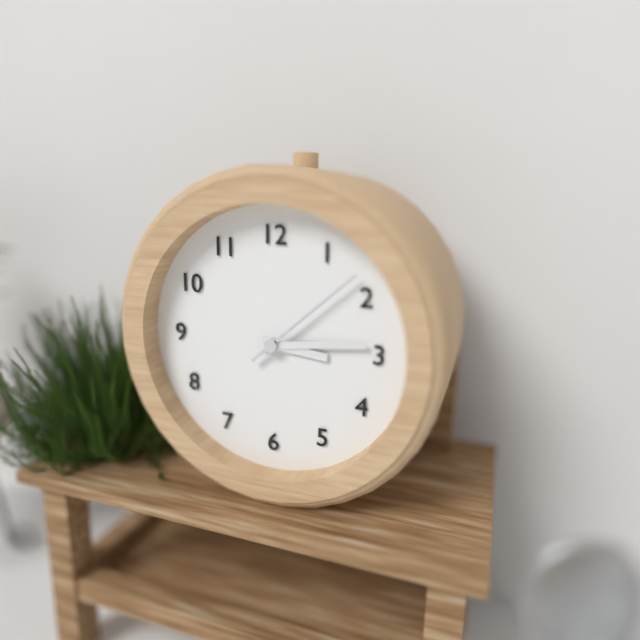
3:14:08
